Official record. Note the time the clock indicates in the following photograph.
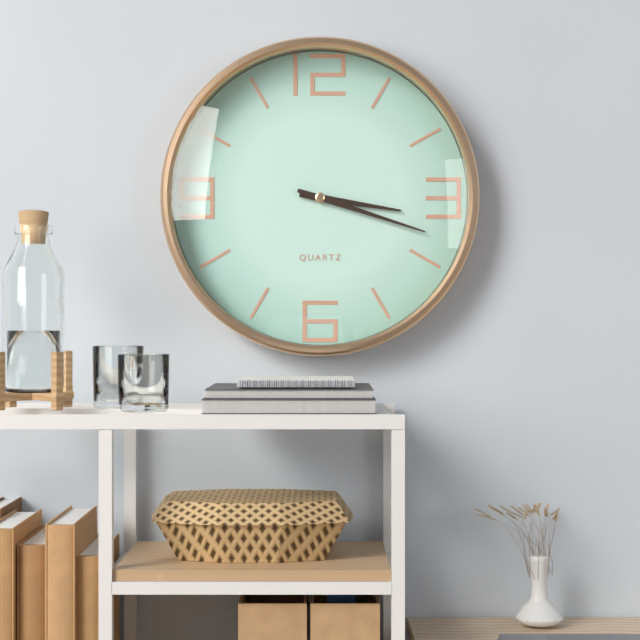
3:18
